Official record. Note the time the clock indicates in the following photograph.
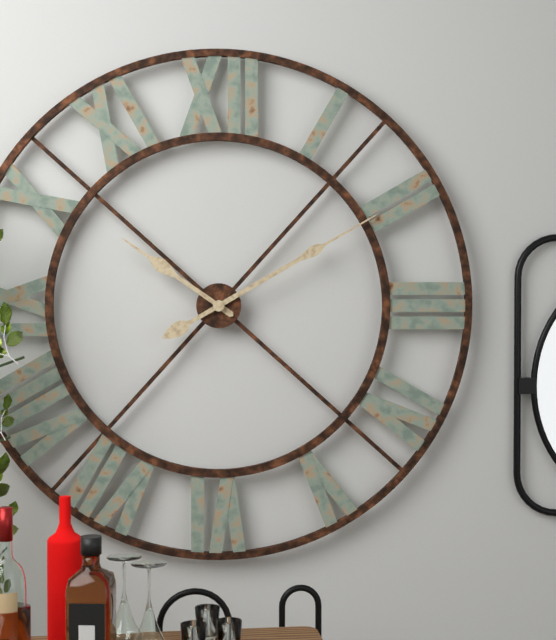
10:10
